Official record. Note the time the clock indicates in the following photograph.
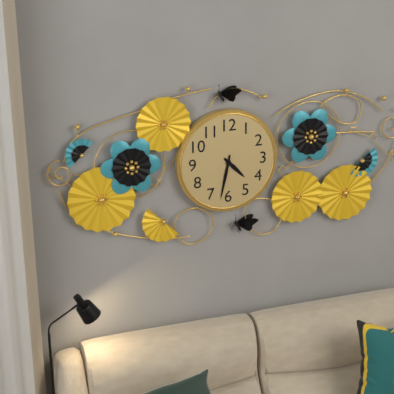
4:32
